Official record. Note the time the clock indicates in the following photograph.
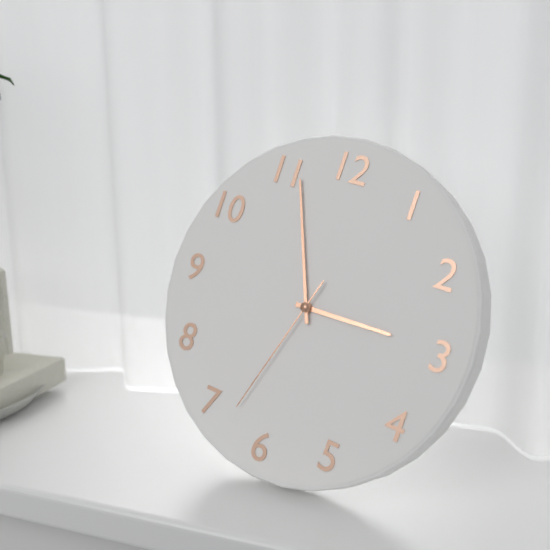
2:56:33
